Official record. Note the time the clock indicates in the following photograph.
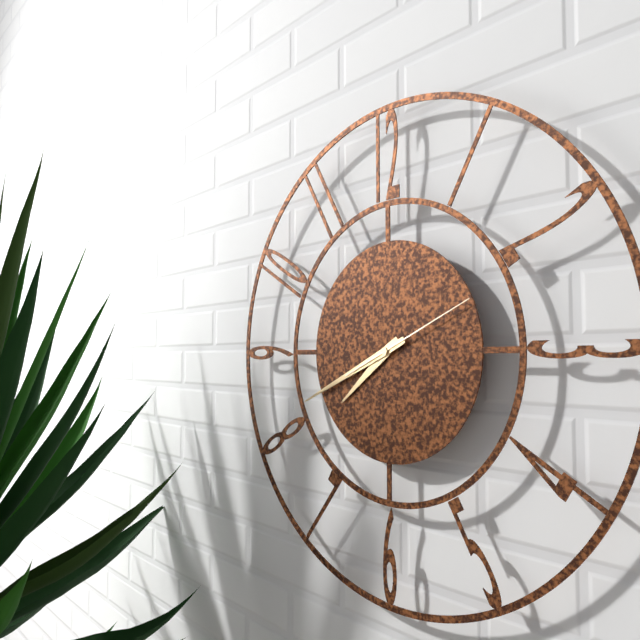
7:41:11
